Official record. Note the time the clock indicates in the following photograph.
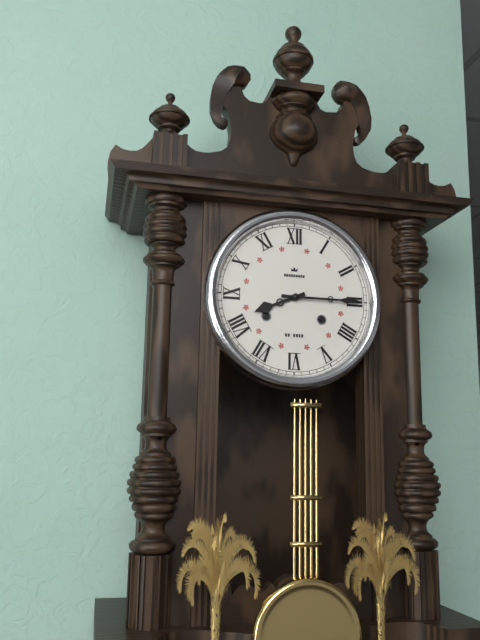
8:15
